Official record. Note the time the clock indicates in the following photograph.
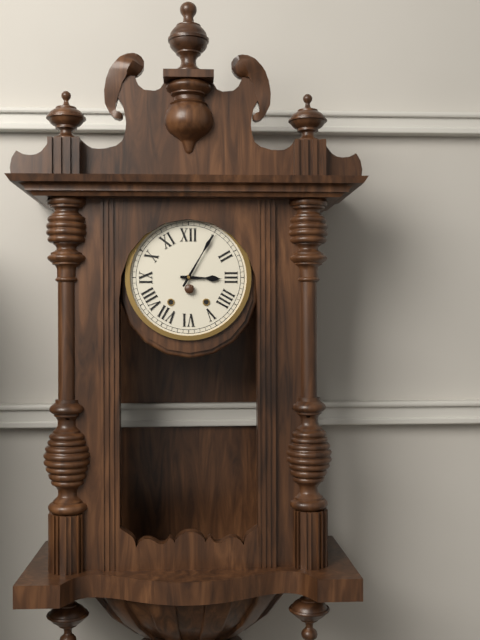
3:05
